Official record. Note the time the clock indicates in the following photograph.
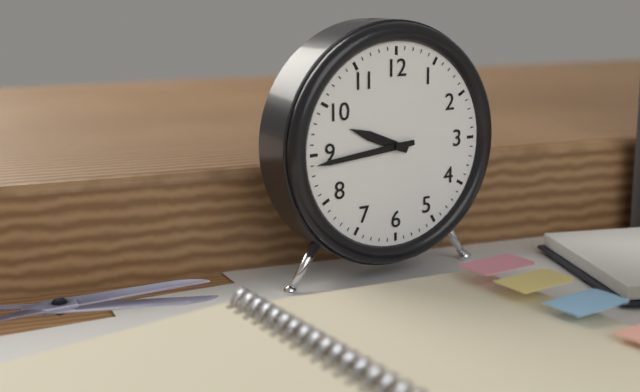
9:44
